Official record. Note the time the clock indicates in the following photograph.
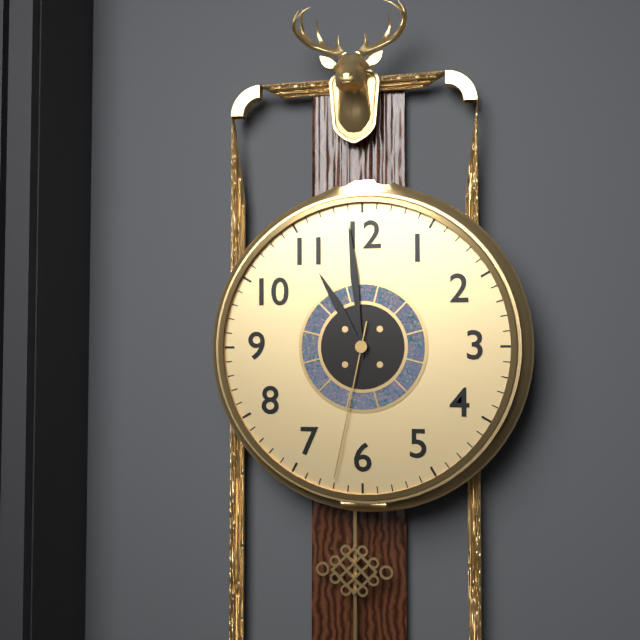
10:59:32
